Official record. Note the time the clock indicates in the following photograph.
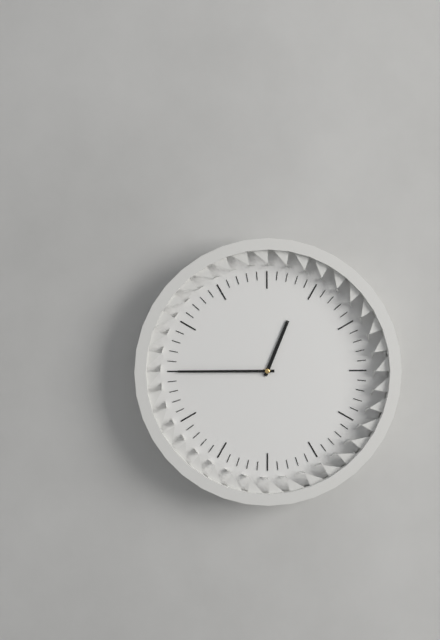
12:45
